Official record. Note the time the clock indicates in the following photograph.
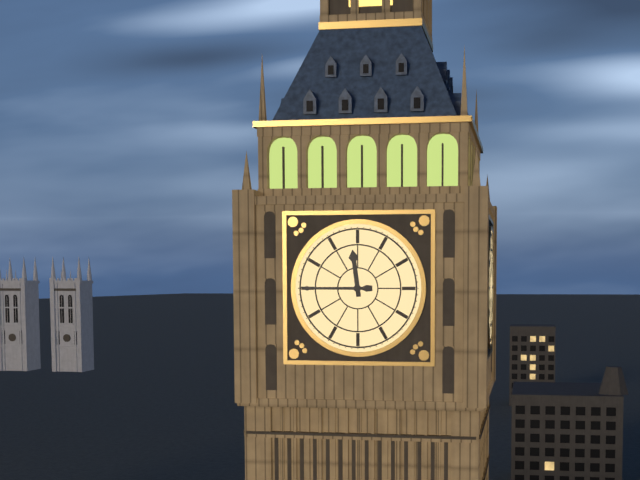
11:45
